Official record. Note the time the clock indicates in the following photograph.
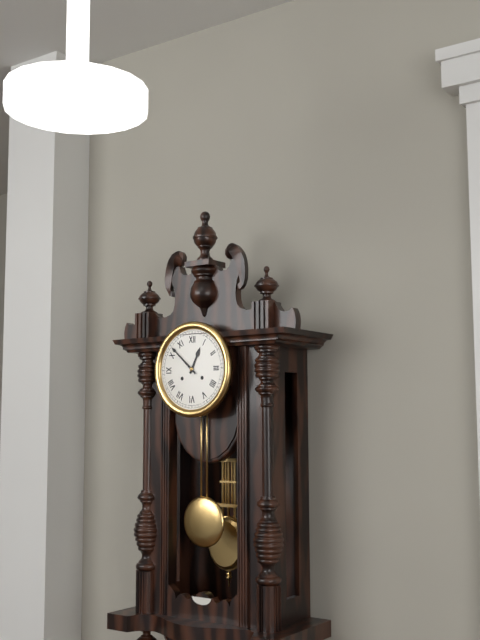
12:52
